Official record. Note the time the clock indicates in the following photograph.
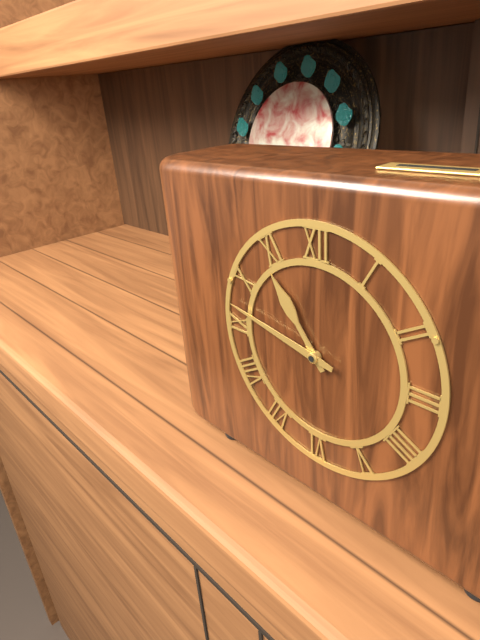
10:47
